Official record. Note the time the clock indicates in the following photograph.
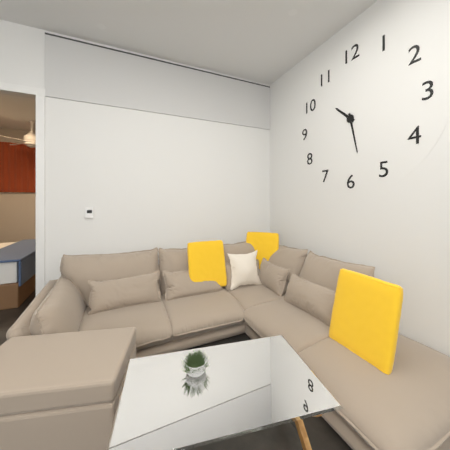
10:28
